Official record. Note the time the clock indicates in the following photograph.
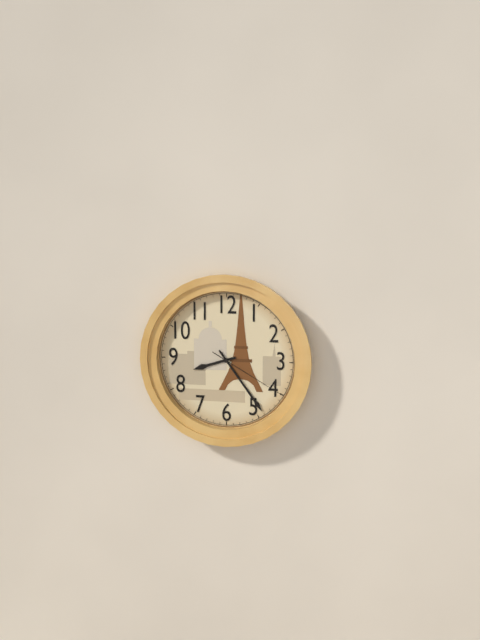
8:24:20
